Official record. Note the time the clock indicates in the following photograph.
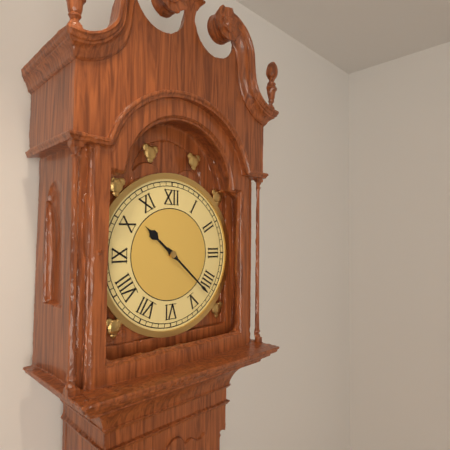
10:22
